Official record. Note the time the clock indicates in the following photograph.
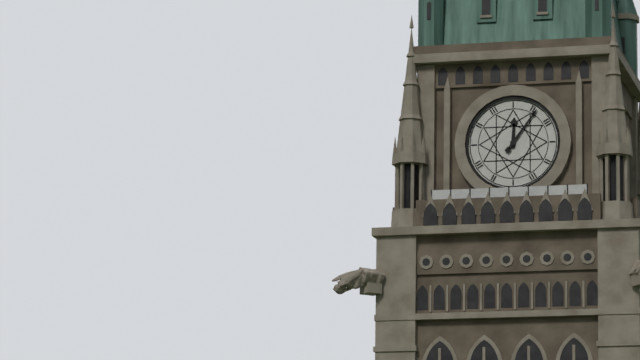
12:06
